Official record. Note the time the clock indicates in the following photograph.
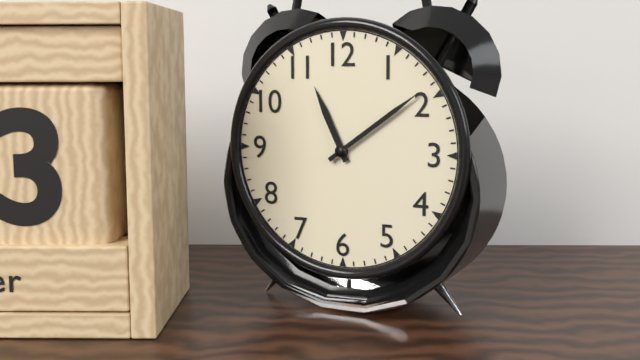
11:09
